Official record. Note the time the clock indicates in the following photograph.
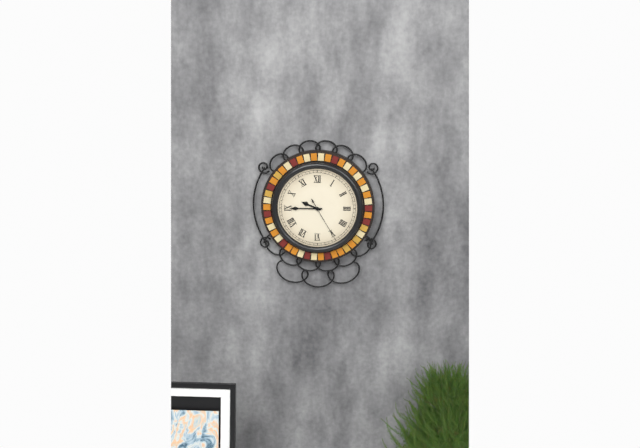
9:45
